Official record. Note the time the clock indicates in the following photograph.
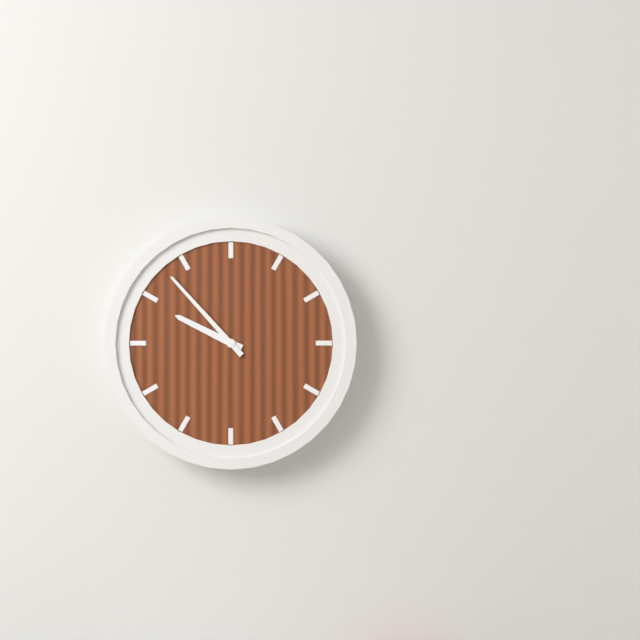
9:53
